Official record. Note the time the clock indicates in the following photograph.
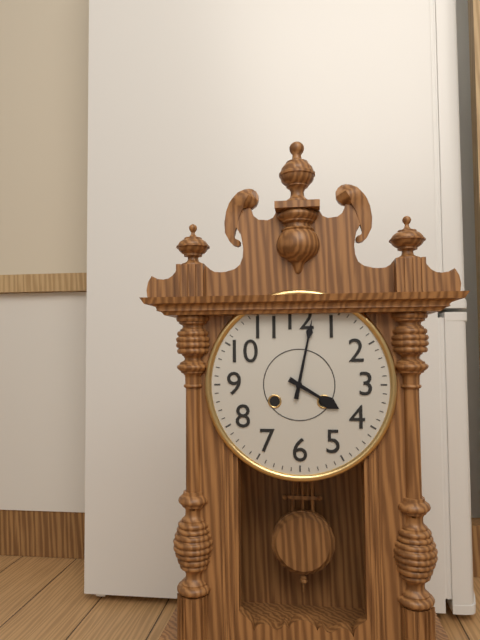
4:02
